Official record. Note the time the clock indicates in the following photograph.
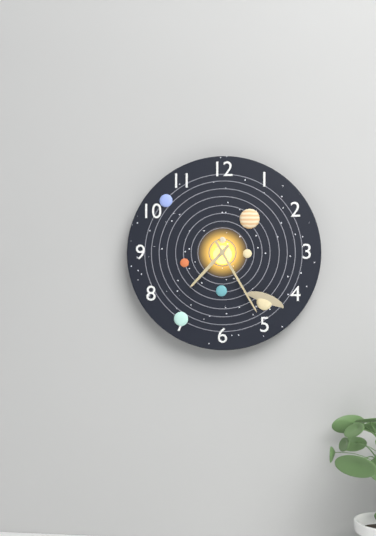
7:25
